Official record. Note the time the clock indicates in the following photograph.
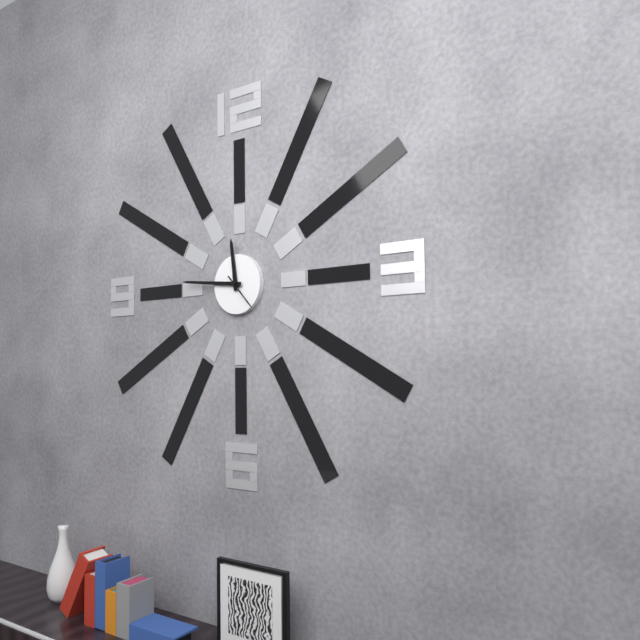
11:46
